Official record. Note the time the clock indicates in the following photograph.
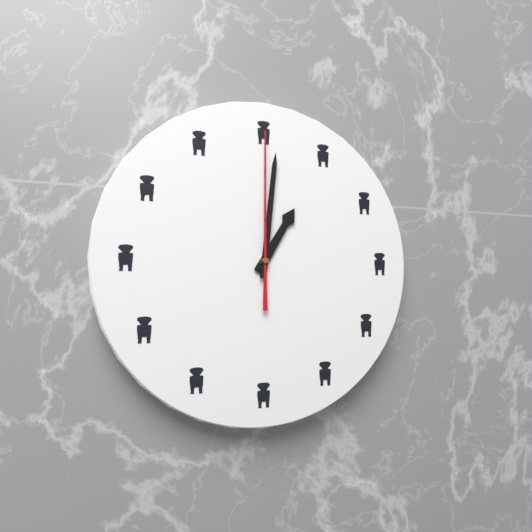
1:01:00
